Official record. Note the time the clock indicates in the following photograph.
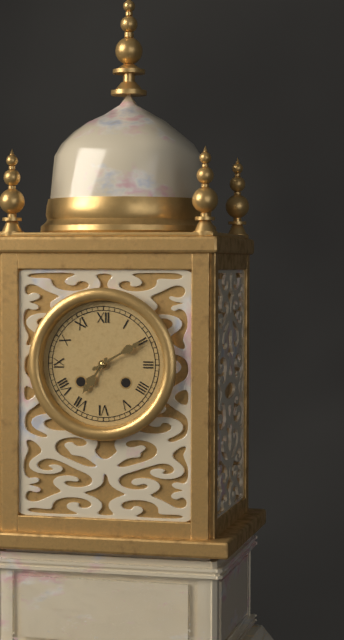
7:10
